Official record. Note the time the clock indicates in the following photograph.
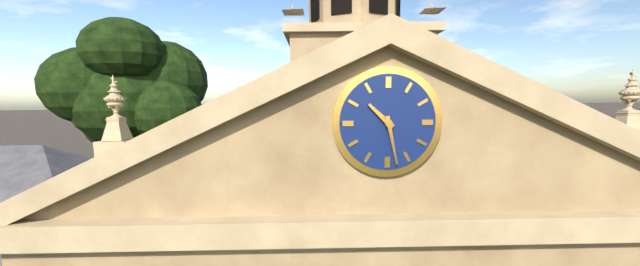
10:28
